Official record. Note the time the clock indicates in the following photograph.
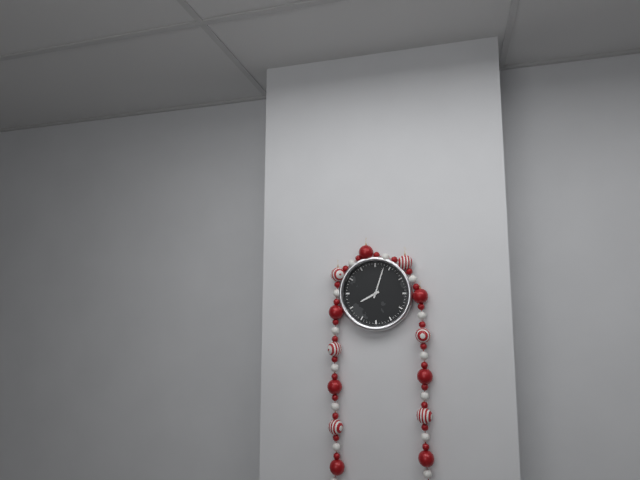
8:03
